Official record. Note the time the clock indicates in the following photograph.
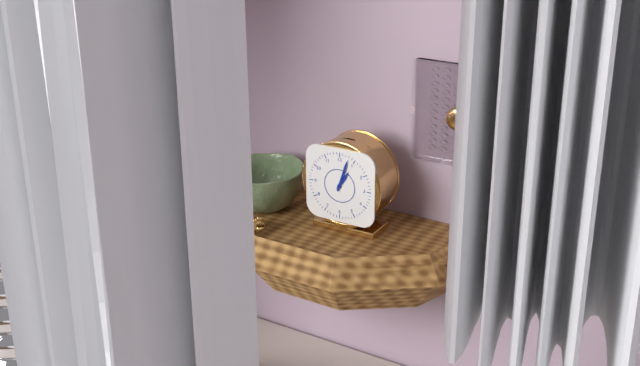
1:03
